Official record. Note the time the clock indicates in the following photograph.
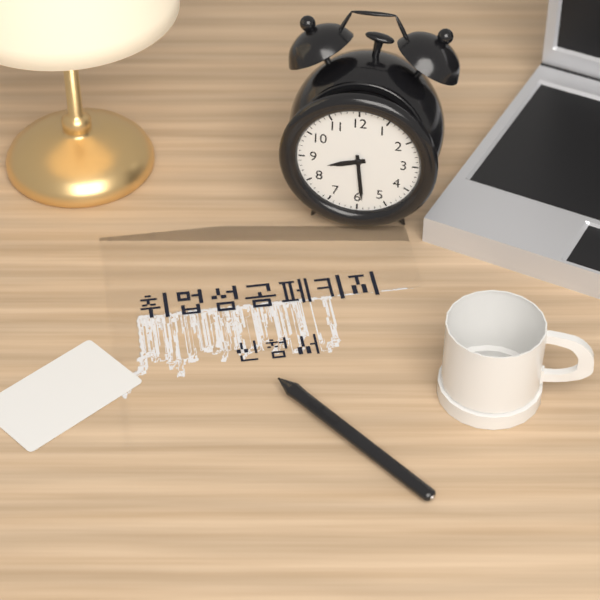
8:29
